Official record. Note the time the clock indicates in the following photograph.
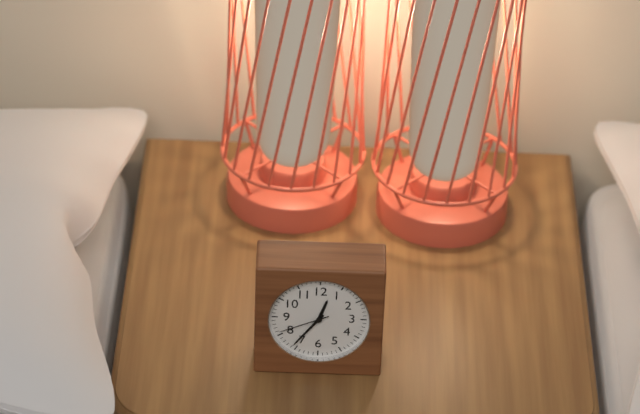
12:36:41
